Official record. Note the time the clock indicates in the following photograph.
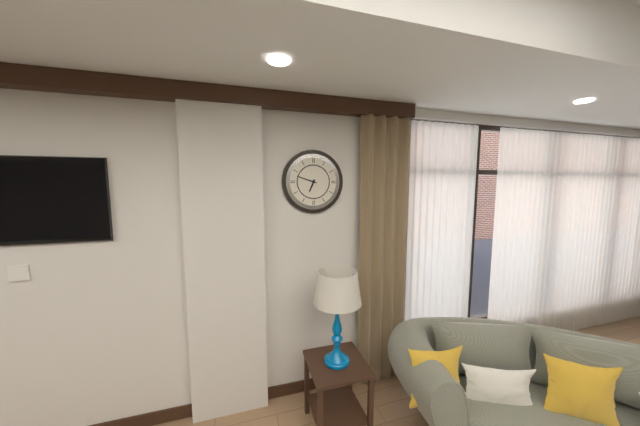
6:48
